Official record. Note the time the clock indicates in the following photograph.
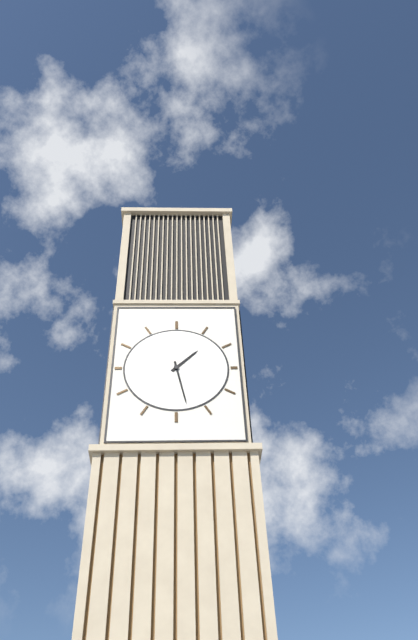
1:28
